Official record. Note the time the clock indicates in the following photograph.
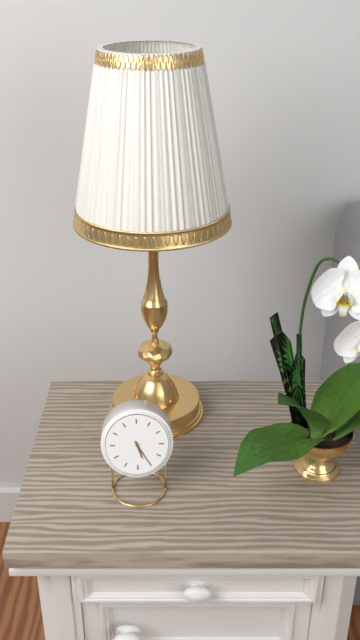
5:25
